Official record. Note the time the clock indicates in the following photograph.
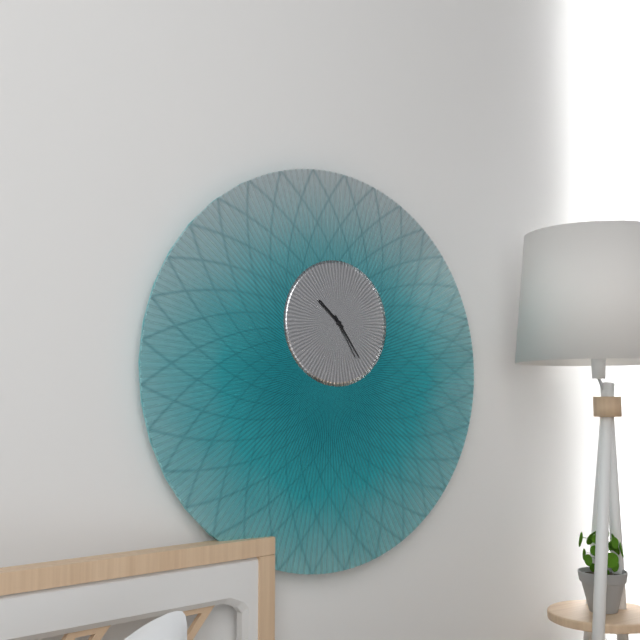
10:24
